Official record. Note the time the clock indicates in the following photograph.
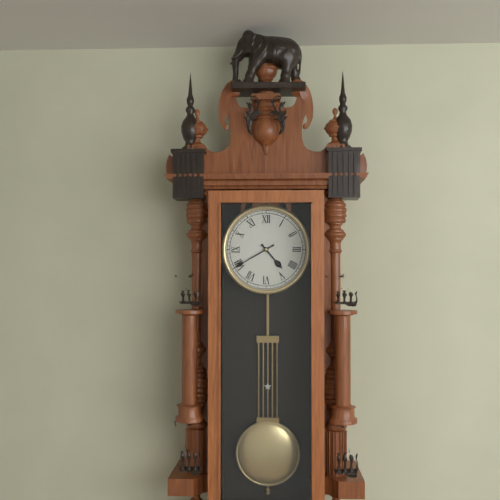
4:40
